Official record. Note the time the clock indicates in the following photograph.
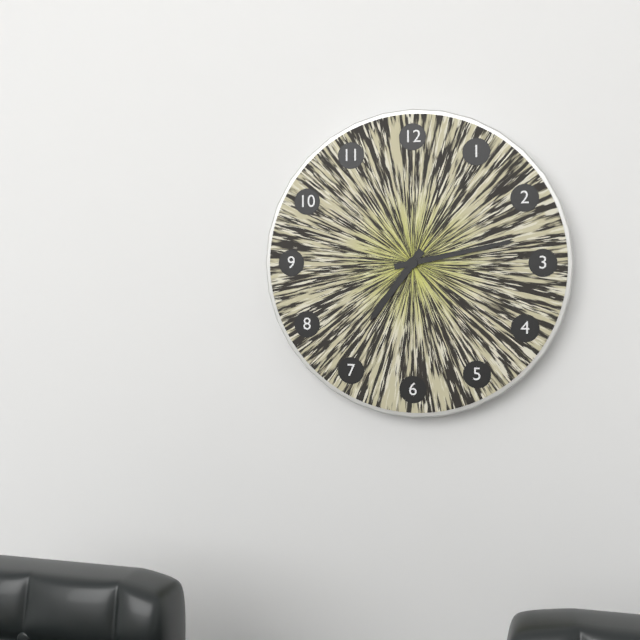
7:13
